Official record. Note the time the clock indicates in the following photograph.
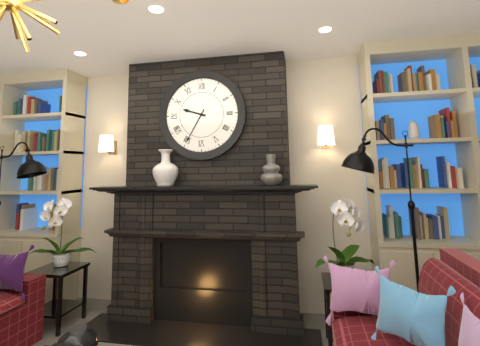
9:35
